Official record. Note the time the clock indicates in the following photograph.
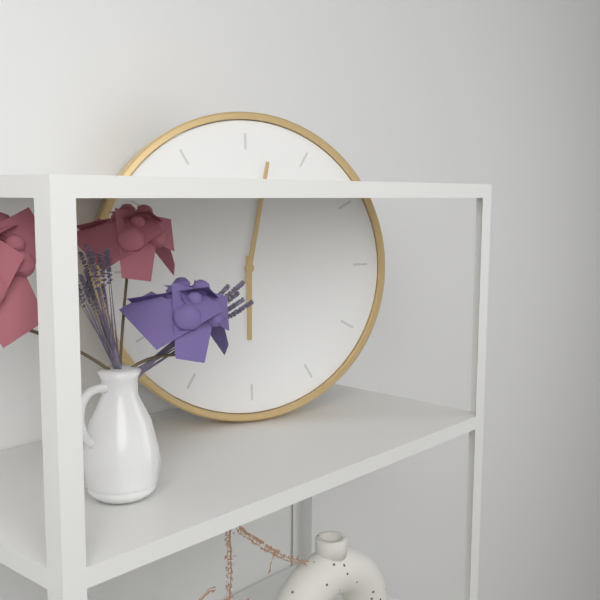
6:02
